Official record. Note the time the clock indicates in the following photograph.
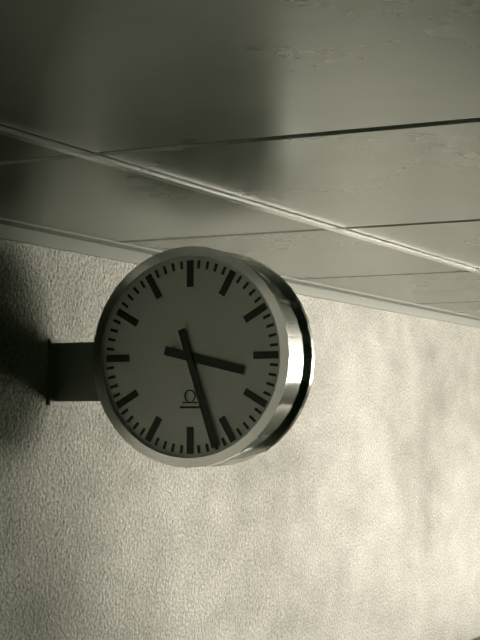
3:27
